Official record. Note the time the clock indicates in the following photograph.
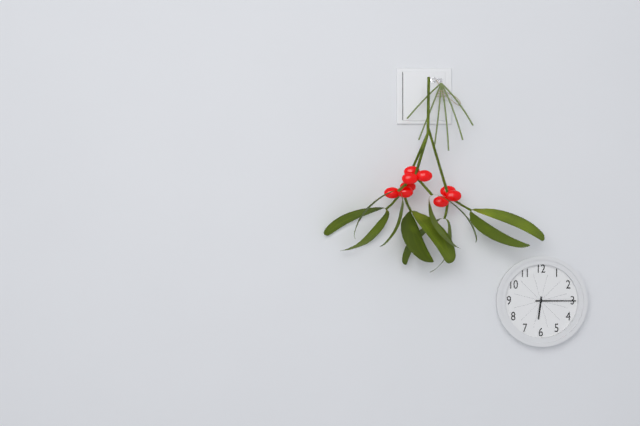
6:15
